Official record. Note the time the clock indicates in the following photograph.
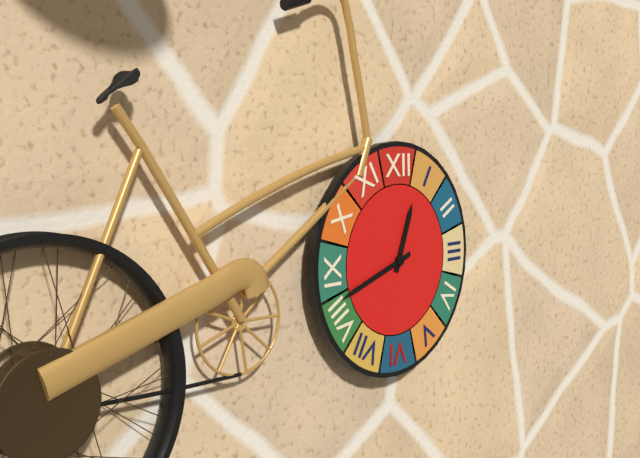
12:42
